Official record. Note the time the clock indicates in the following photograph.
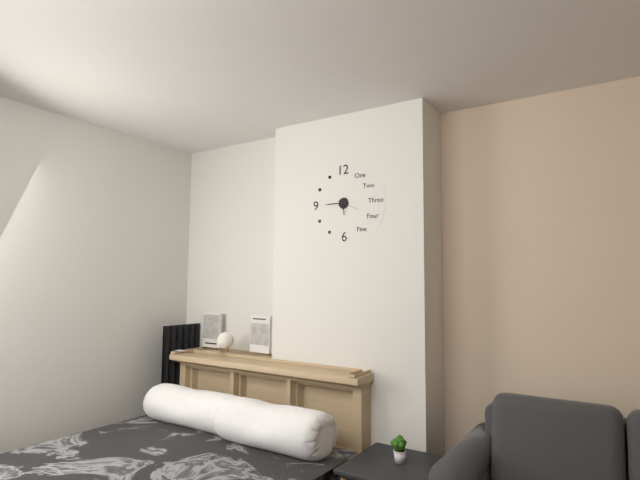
5:45
